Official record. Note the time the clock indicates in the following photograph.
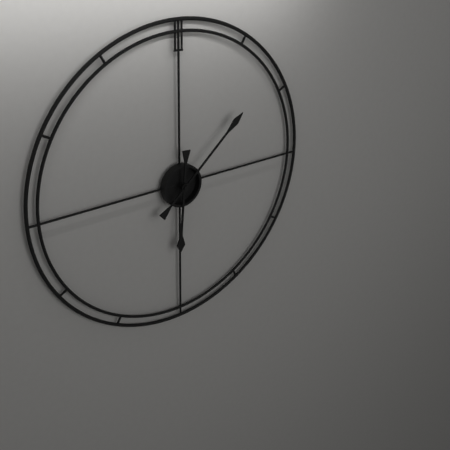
6:08
